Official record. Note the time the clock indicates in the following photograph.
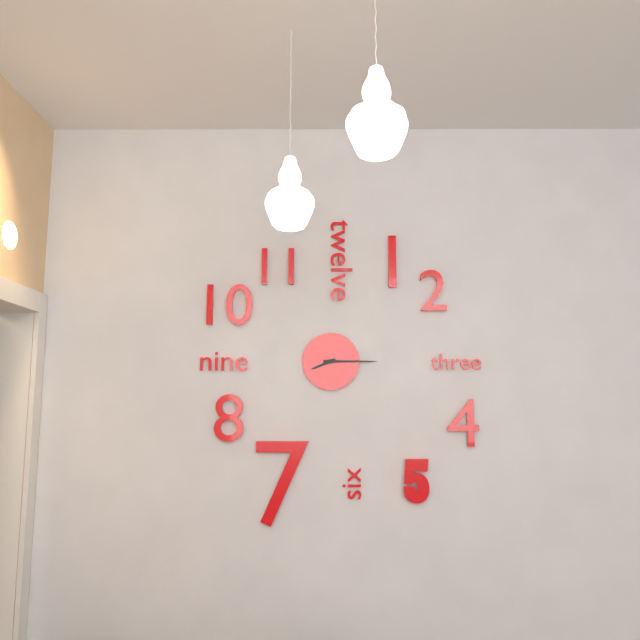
8:15
